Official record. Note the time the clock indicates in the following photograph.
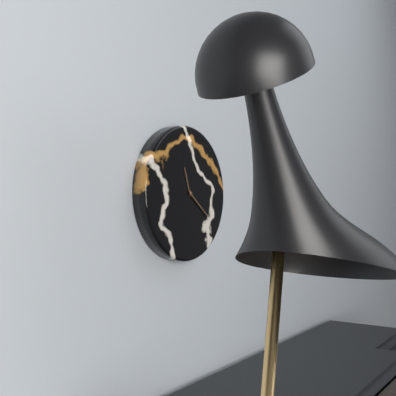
11:21
